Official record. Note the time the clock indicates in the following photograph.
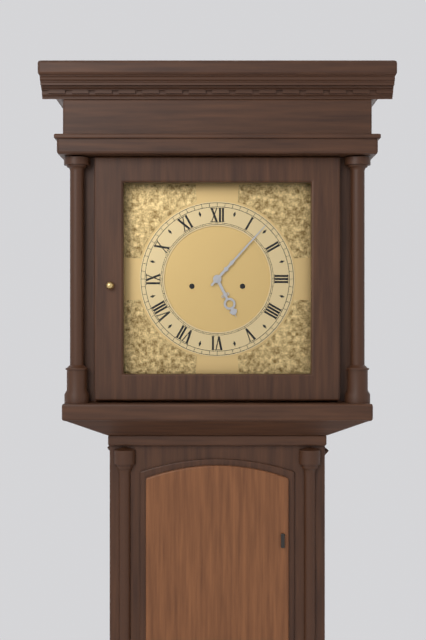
5:07
